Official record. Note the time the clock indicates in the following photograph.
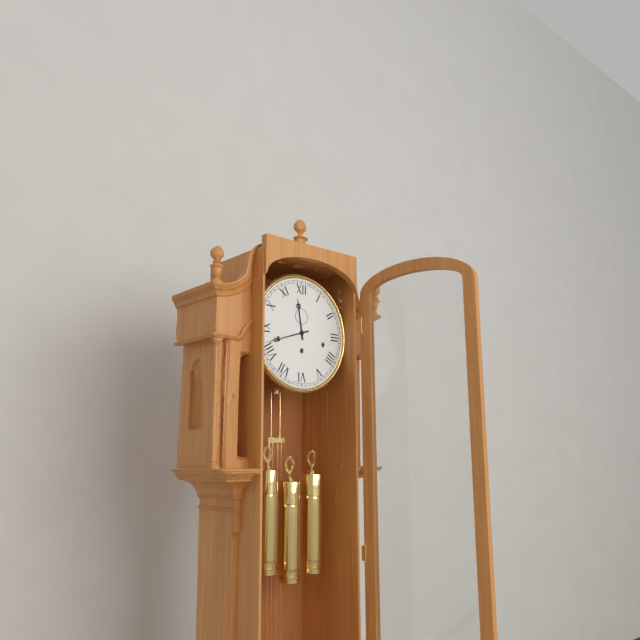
11:42
